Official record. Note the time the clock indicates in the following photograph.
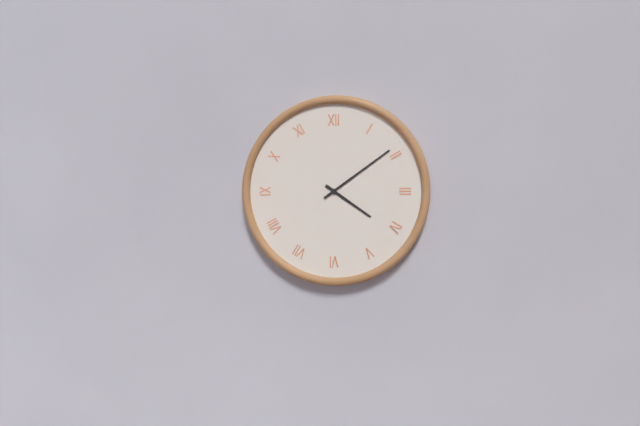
4:09
